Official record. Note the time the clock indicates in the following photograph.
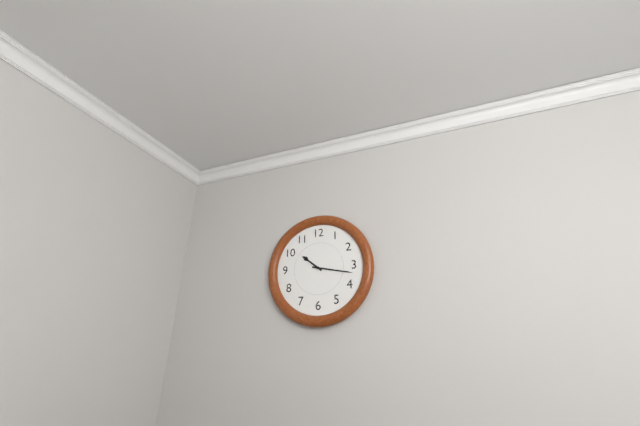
10:17
